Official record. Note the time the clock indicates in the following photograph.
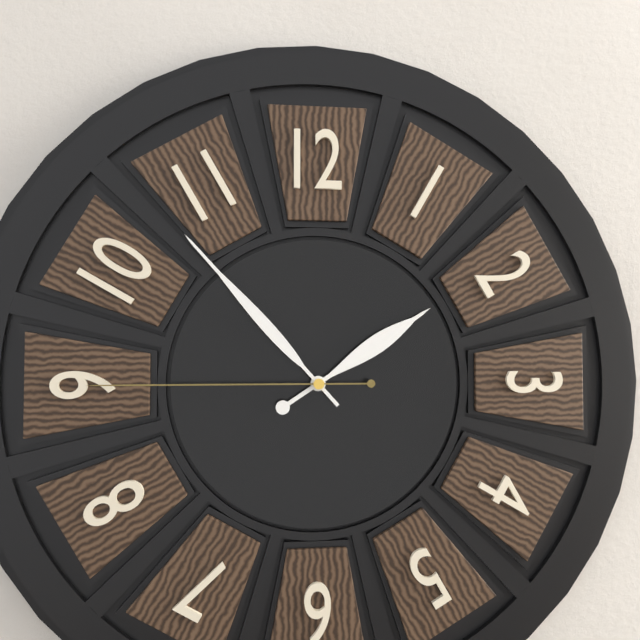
1:53:45
